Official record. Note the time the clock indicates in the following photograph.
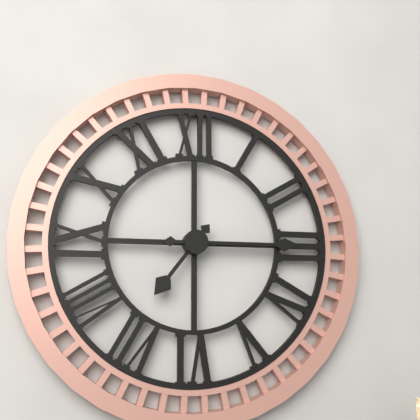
7:15
